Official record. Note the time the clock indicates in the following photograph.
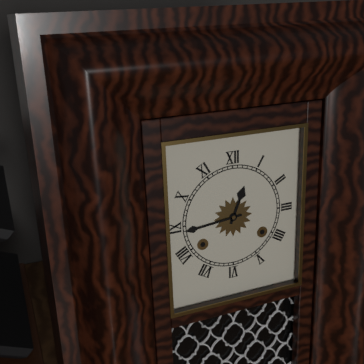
12:44
